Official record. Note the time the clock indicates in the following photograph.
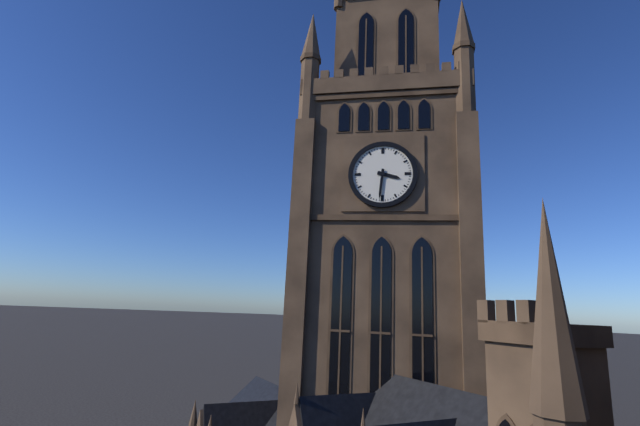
3:31
